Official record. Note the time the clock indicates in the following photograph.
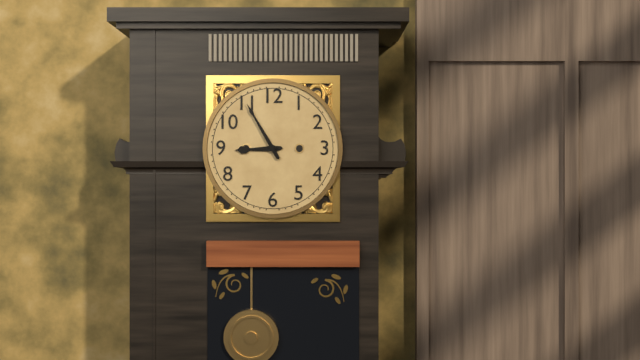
8:55
